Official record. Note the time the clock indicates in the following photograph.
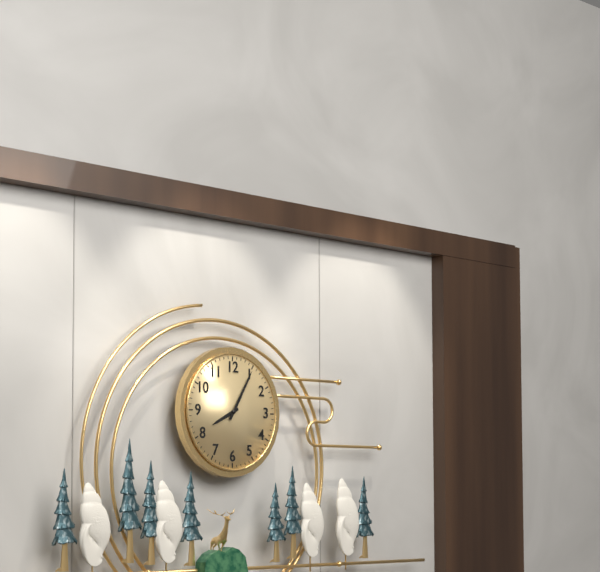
8:05
